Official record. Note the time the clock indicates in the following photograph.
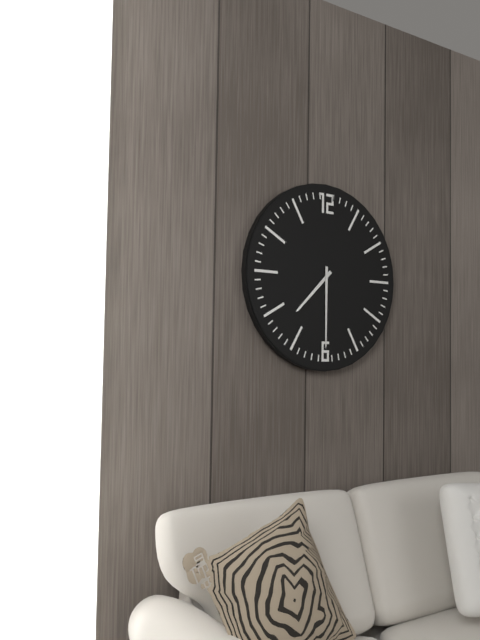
7:30
